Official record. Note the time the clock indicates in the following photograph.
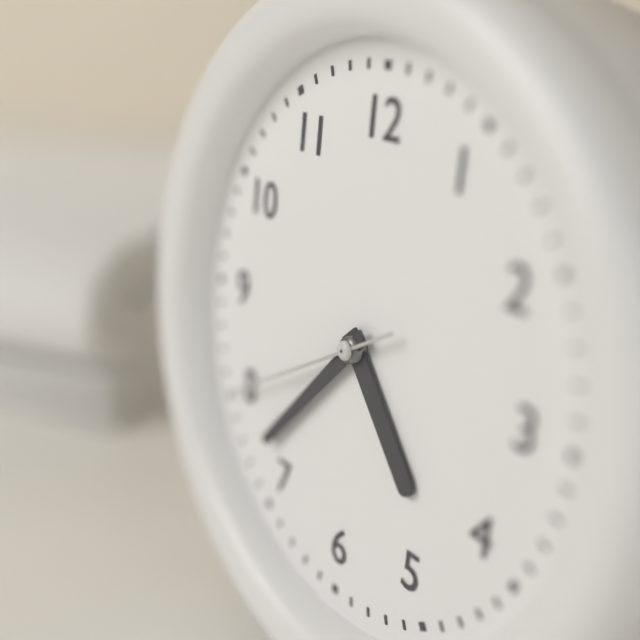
4:37:40
